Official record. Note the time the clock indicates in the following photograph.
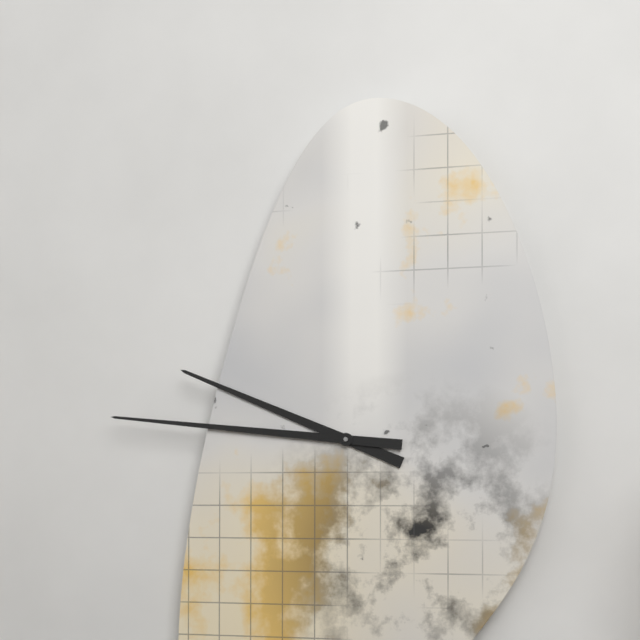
9:46
